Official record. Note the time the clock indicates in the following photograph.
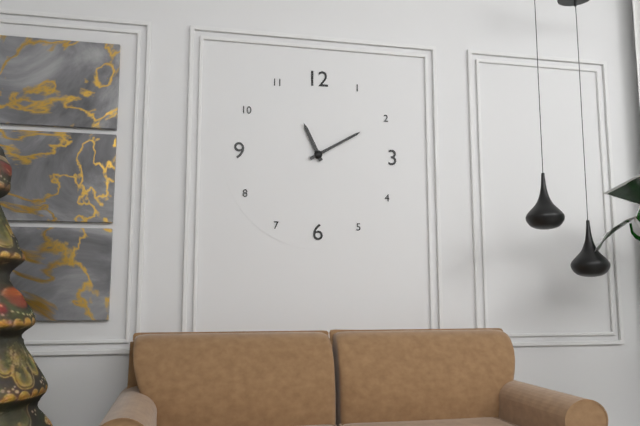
11:10
